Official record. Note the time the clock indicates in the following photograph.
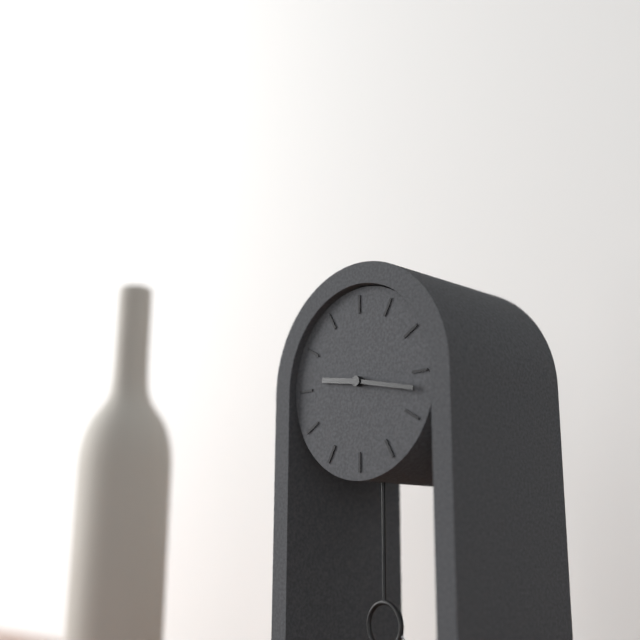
9:17
